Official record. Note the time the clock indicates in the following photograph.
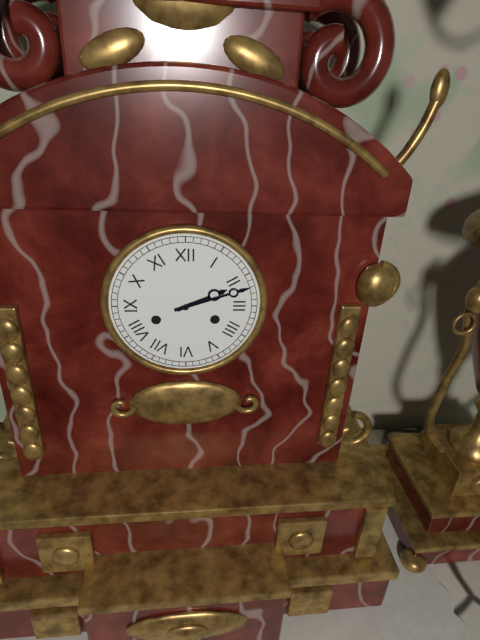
2:12
